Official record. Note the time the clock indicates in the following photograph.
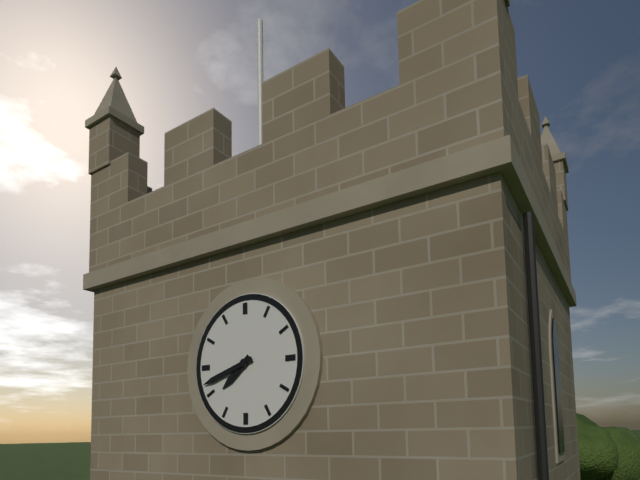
7:42
